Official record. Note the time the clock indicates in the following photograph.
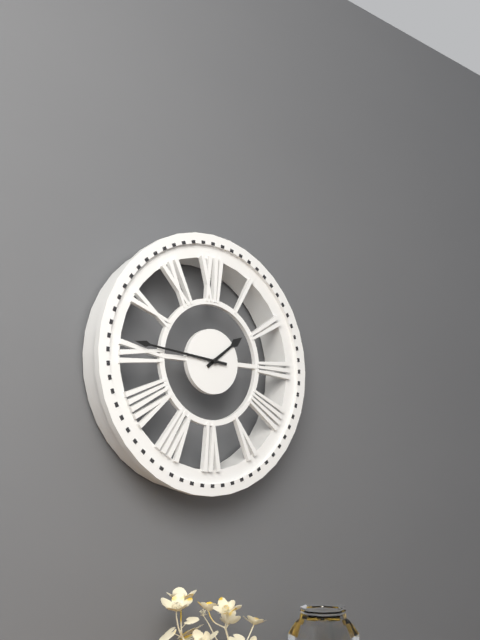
1:46
